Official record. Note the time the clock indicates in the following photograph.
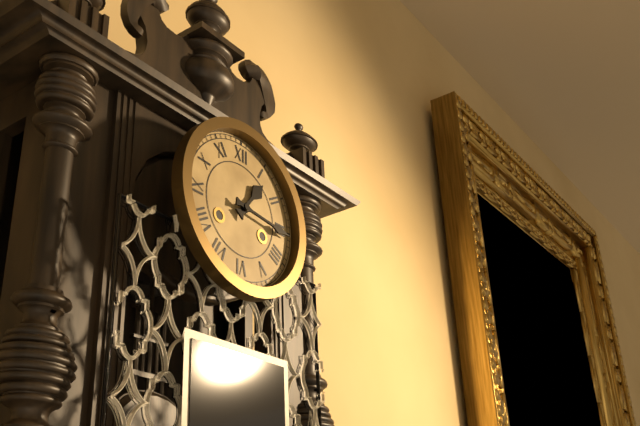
1:16
